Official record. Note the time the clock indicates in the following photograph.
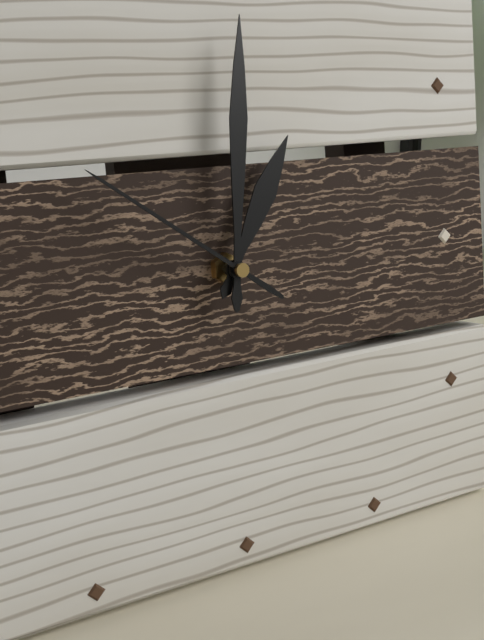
1:01:51
